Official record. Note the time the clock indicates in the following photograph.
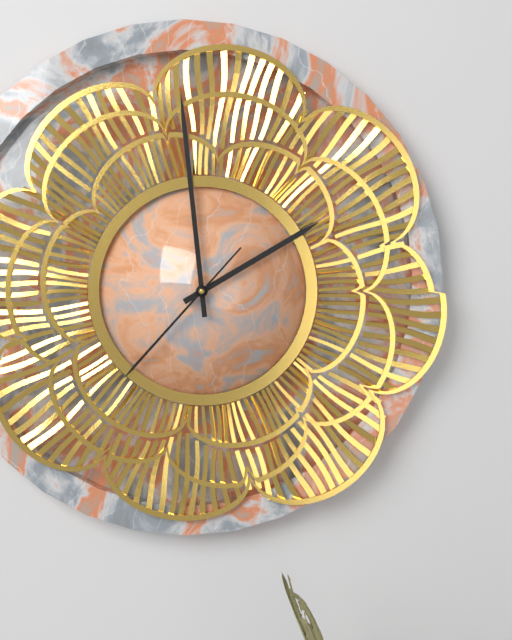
1:59:37
